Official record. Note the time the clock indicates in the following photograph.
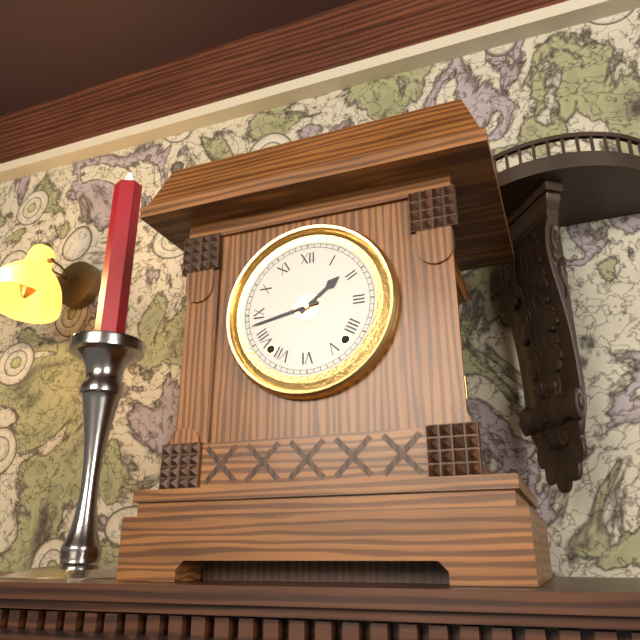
1:43
